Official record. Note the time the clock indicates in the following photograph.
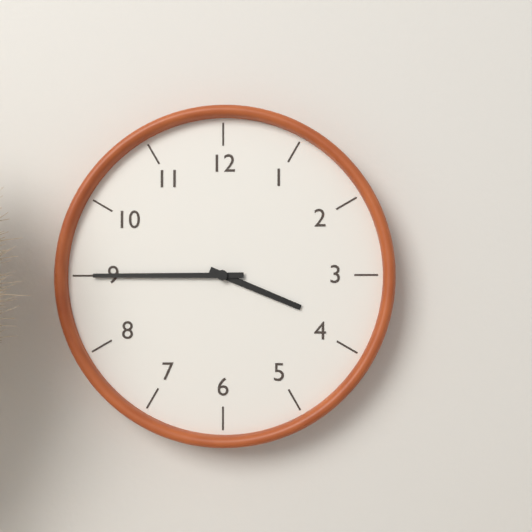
3:45
